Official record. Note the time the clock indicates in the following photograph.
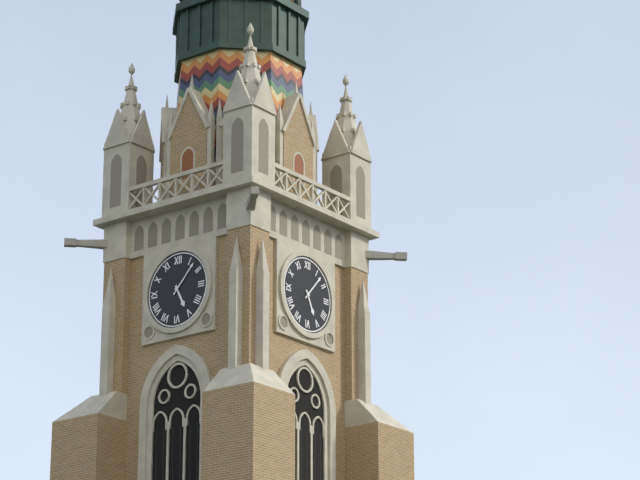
5:07
